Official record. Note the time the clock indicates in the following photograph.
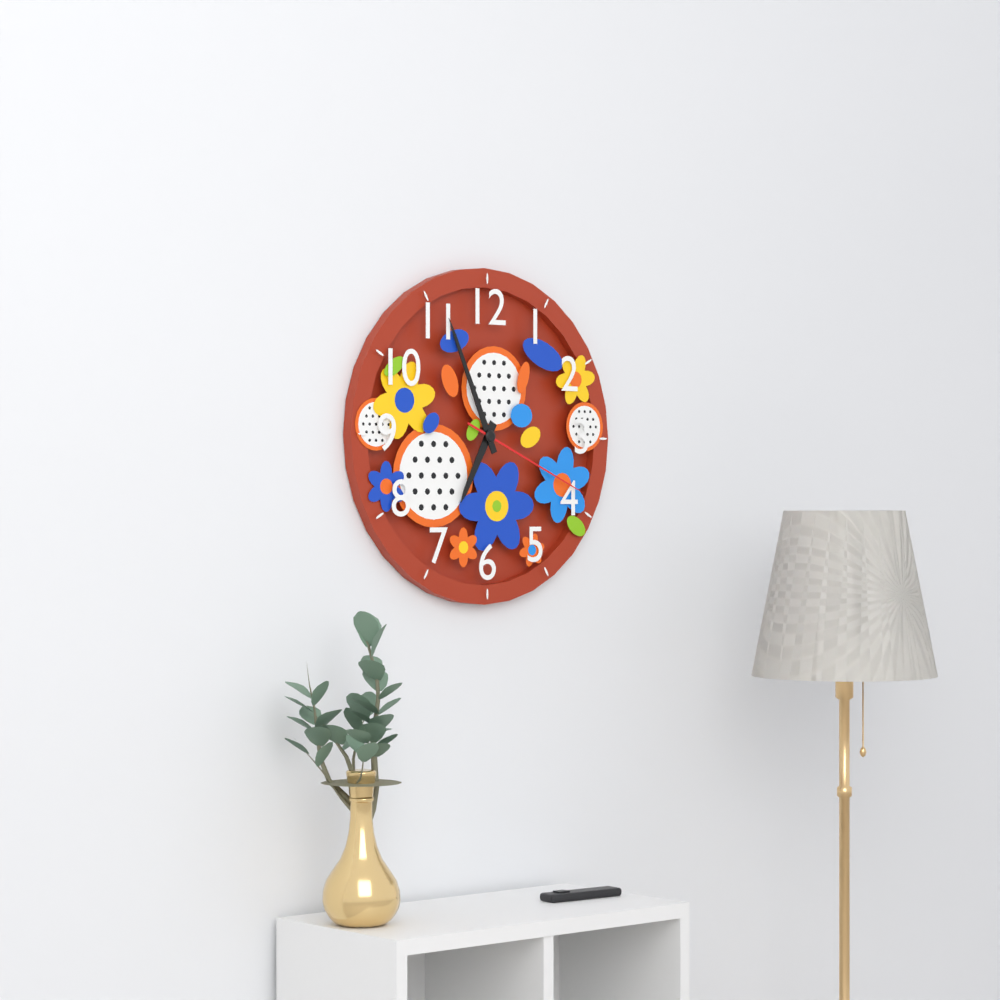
6:56:19
